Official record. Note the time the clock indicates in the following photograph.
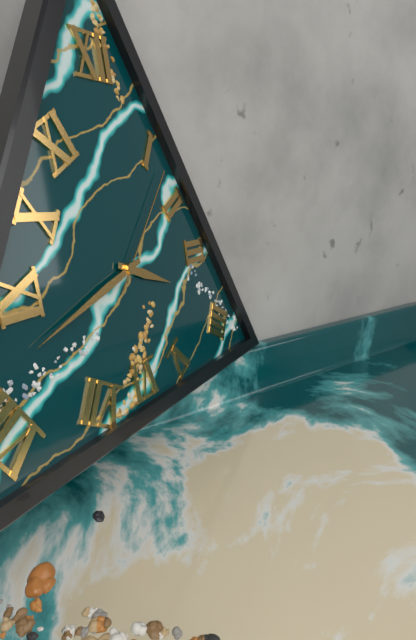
3:42:07
